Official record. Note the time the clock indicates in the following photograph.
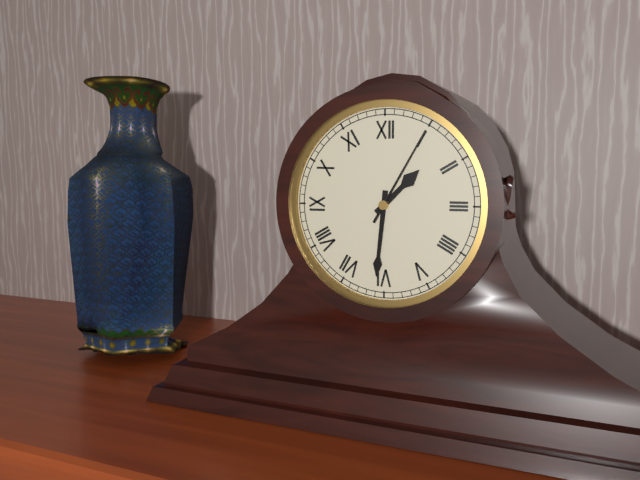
1:31:05
